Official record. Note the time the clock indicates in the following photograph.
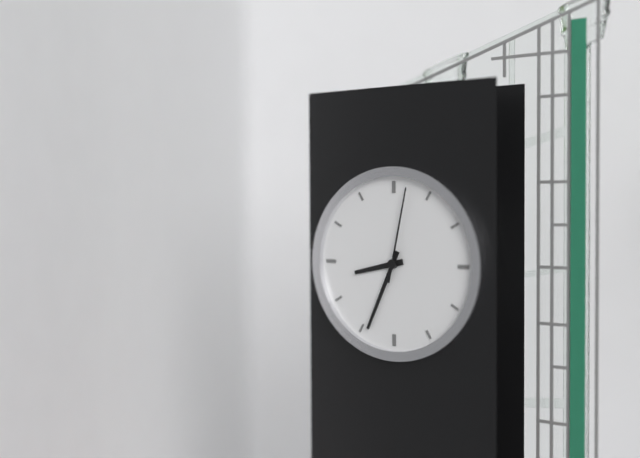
8:34:02
